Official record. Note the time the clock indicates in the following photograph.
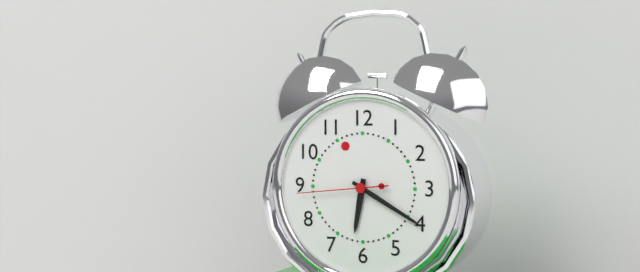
6:20:44
